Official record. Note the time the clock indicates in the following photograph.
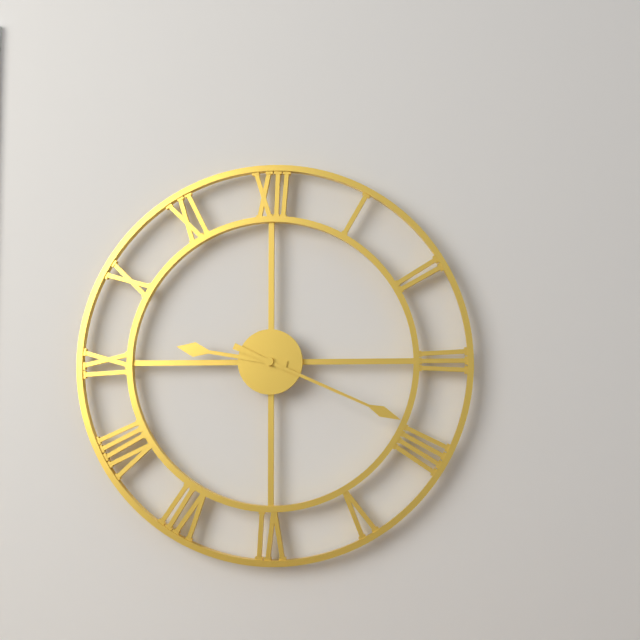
9:19
